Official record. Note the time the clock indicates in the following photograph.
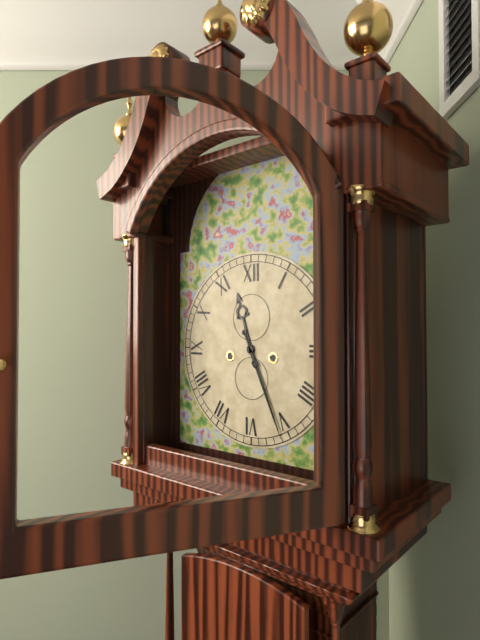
11:26
